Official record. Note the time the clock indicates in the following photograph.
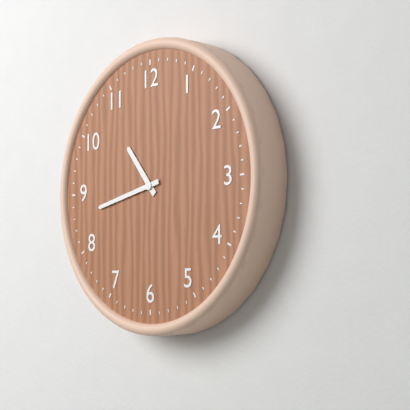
10:43
